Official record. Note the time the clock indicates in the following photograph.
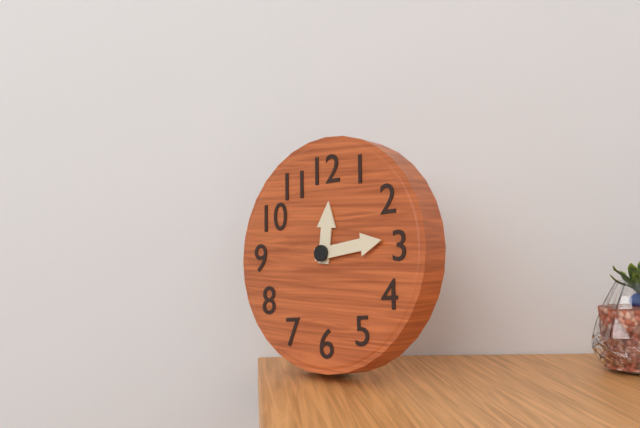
12:14
